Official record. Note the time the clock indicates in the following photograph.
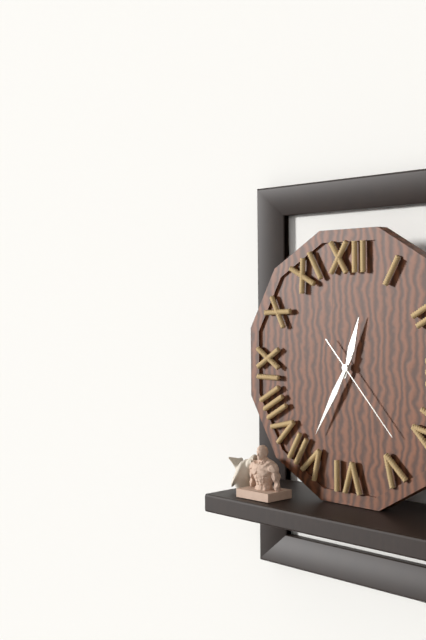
12:35:23
